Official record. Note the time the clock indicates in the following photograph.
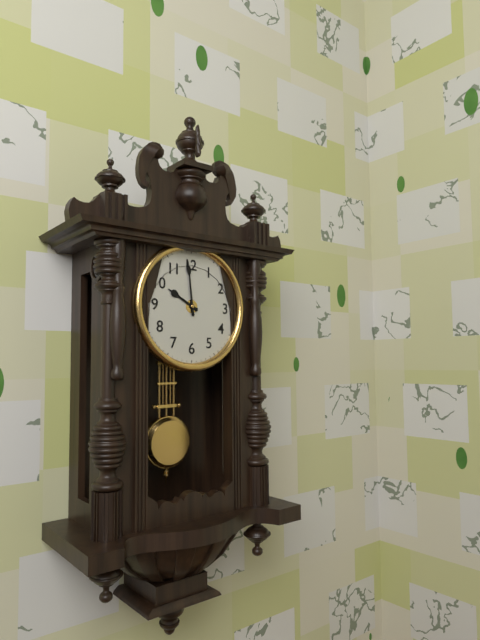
9:59
